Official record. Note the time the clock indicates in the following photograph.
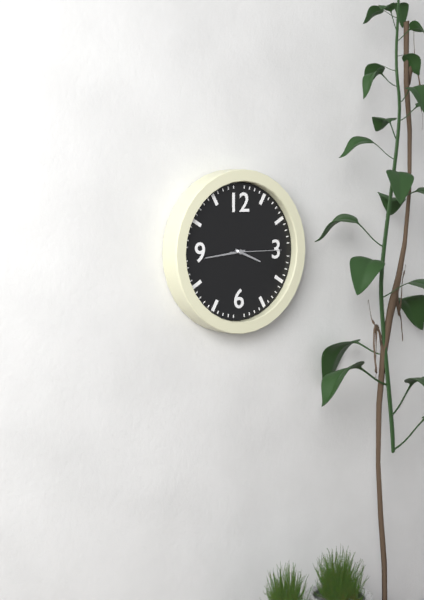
3:44:15
